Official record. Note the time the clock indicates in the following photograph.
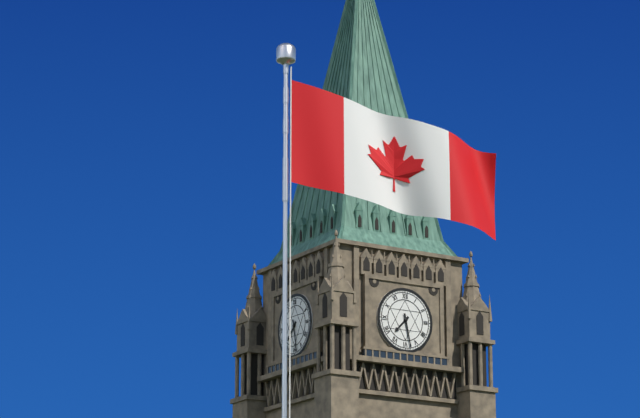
7:28
